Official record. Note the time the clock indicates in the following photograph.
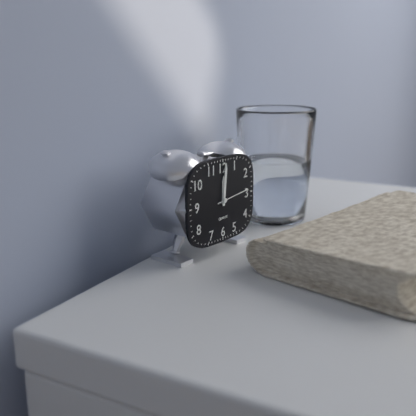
12:01
